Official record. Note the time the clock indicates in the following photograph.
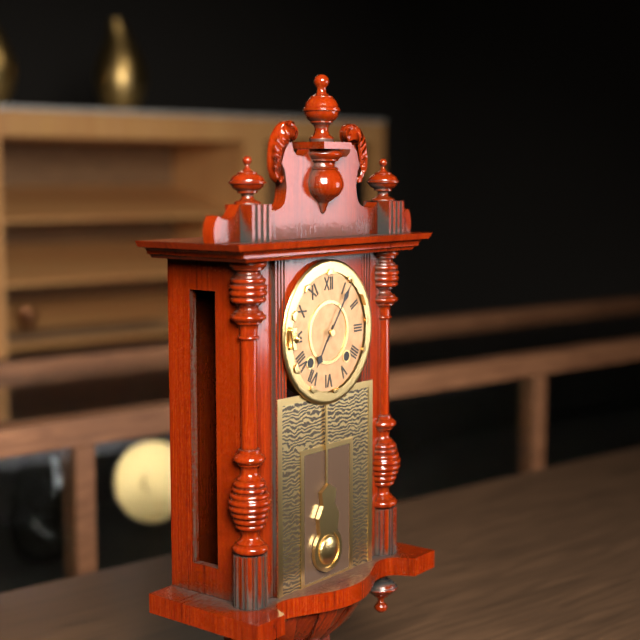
7:06
